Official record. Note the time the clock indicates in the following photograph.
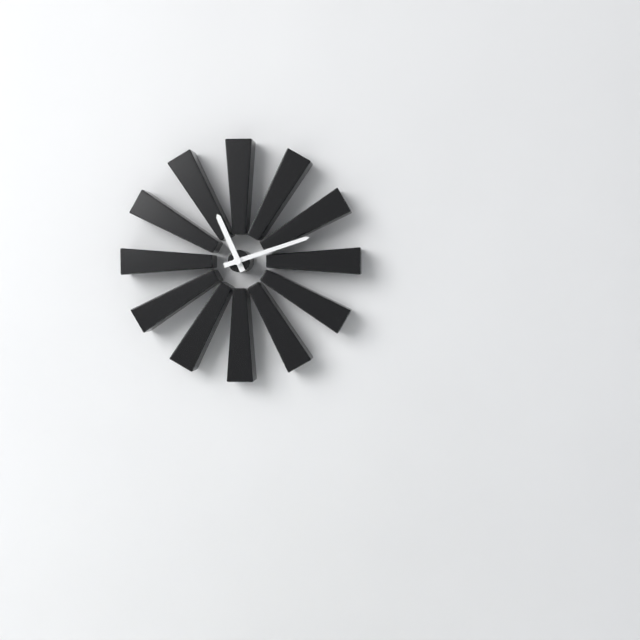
11:12
